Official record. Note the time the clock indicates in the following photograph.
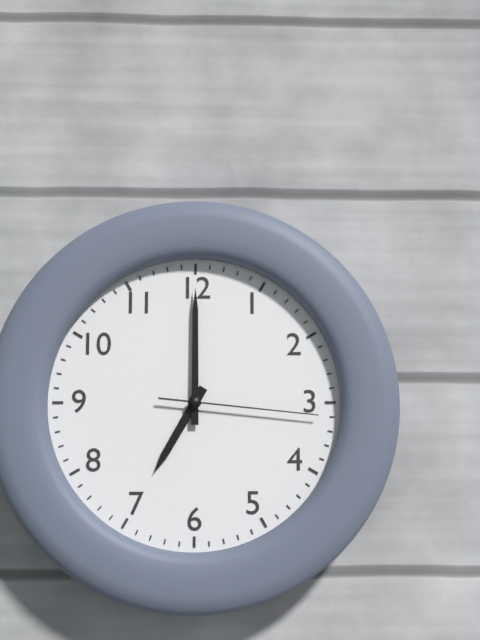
7:00:16
